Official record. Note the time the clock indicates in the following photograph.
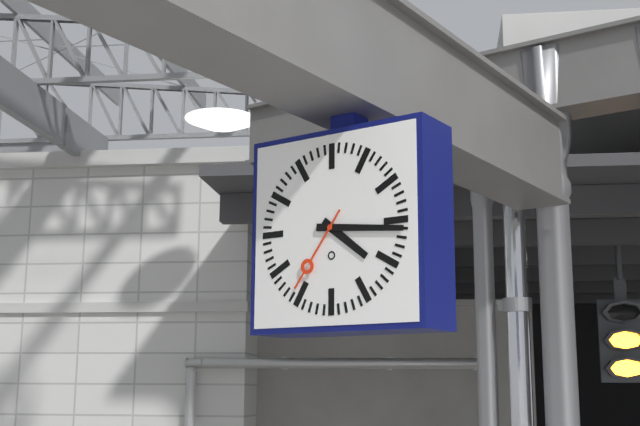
4:16:36
